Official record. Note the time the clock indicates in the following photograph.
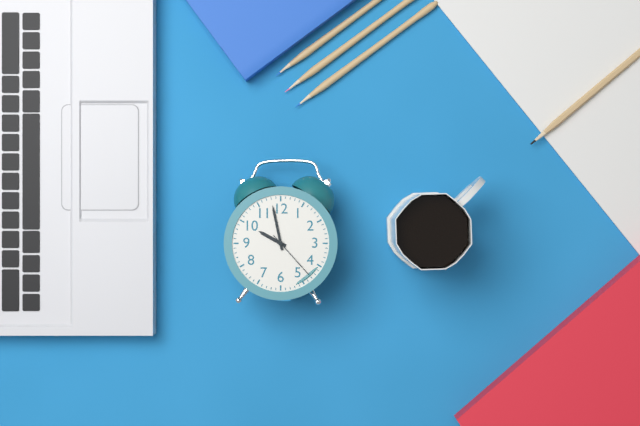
9:58:23
